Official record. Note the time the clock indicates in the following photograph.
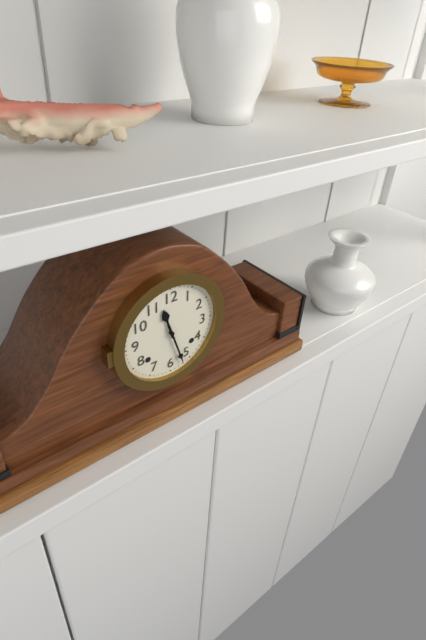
11:27
